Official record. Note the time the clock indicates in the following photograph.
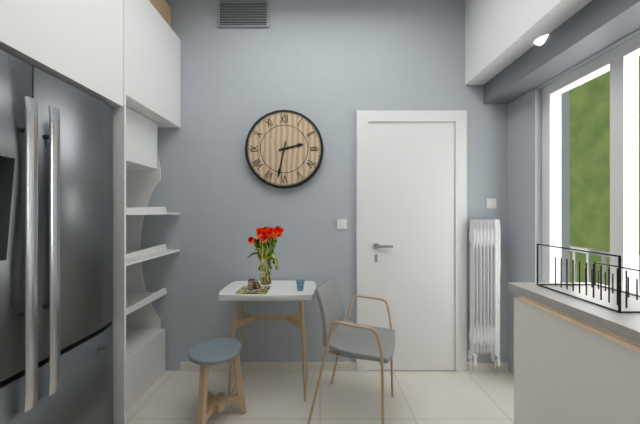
2:32
